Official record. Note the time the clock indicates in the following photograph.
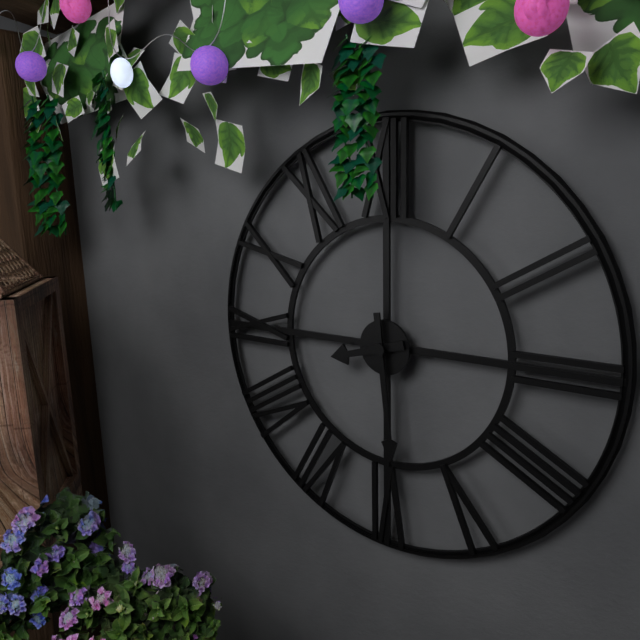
8:29
